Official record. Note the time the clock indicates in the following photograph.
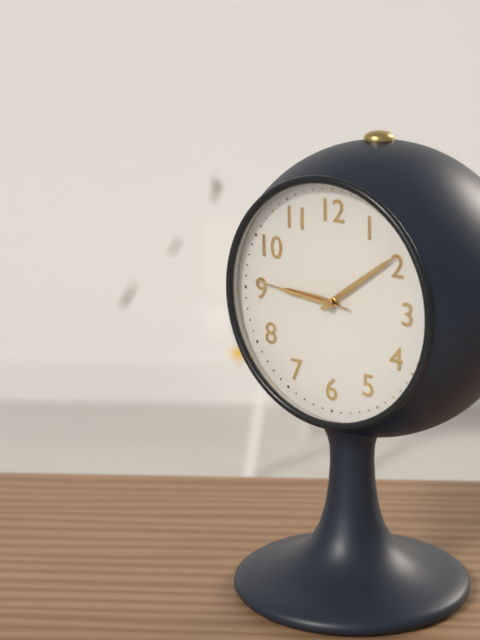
9:09:46
